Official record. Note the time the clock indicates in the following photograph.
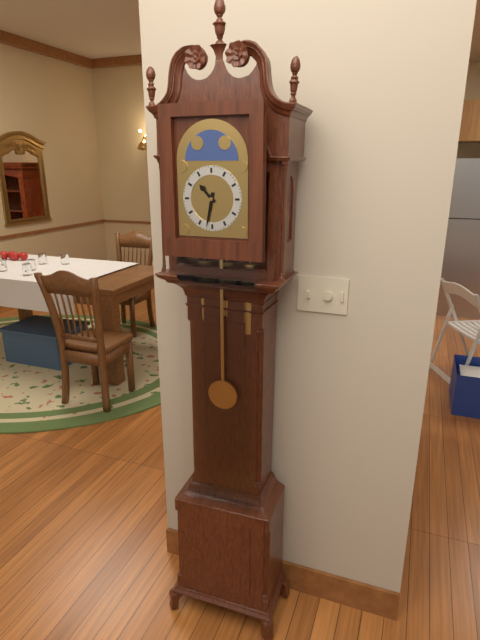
10:32
